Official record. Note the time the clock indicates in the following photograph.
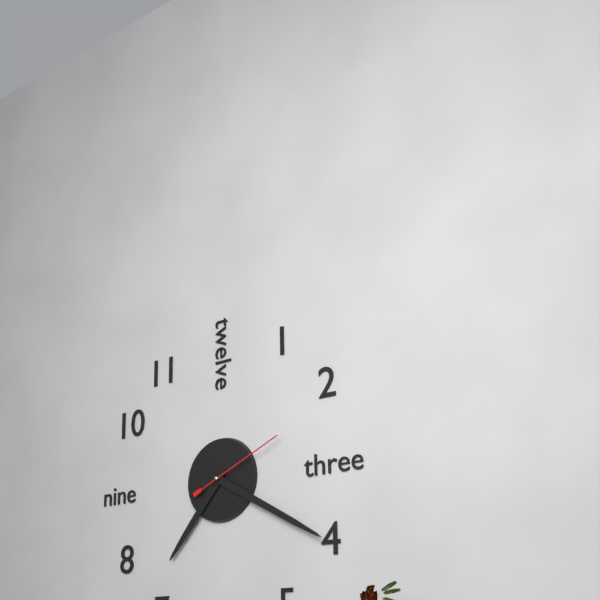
7:20:11
